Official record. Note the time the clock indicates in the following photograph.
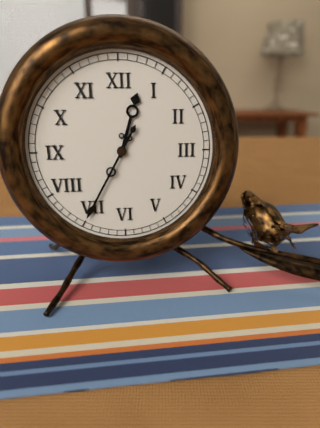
12:35
